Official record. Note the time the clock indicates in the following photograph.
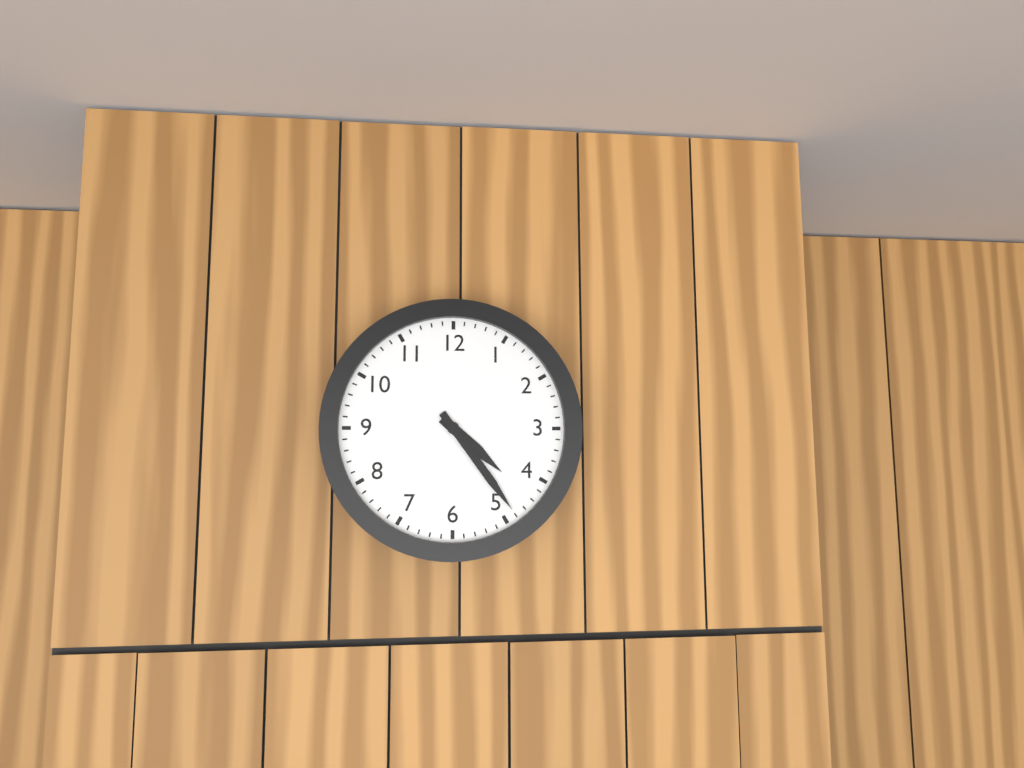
4:24
